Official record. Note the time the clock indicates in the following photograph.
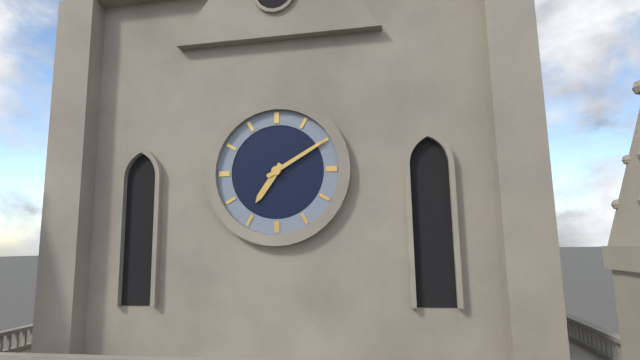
7:10
